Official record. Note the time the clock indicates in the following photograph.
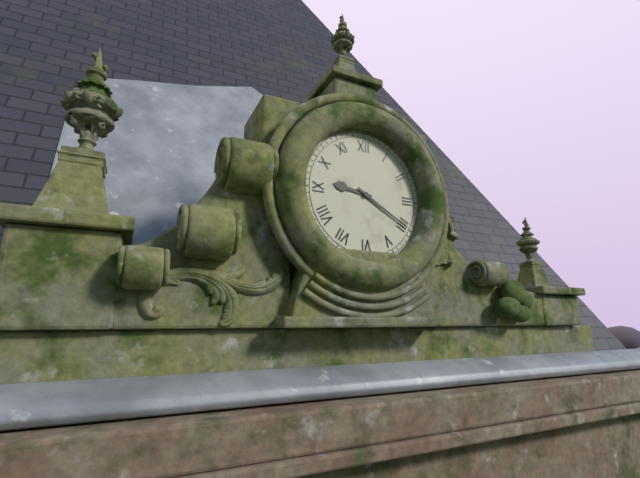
9:20
